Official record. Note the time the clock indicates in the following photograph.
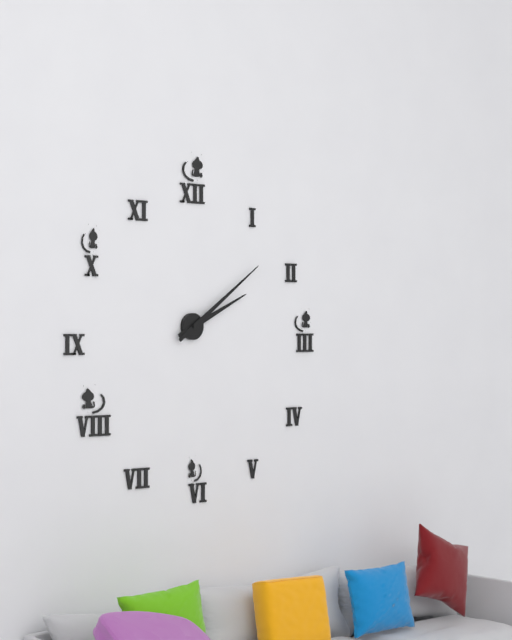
2:09
